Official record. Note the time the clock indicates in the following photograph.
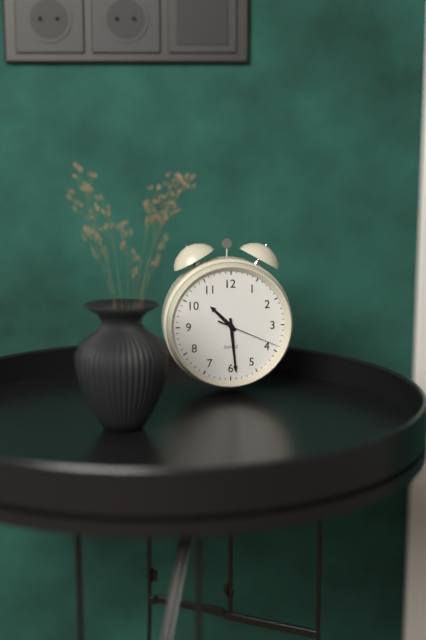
10:29:19
